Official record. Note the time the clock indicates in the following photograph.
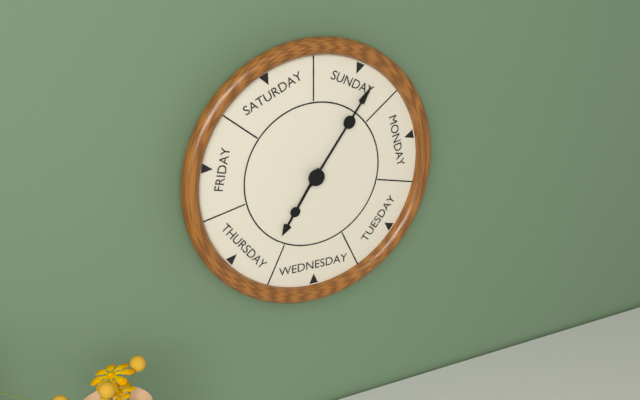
7:06
